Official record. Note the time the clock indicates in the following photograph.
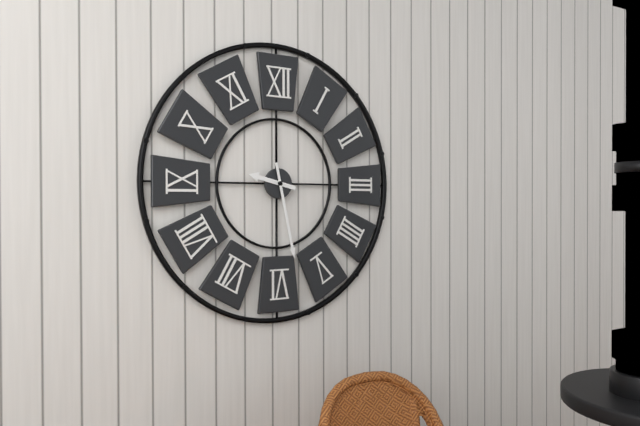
9:28
